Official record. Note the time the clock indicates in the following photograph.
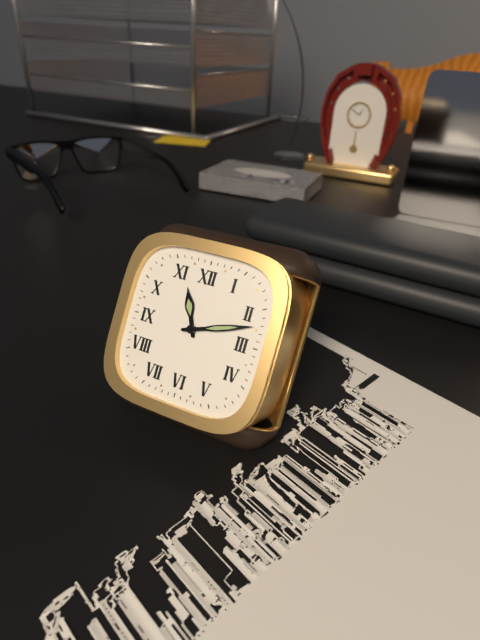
11:12
